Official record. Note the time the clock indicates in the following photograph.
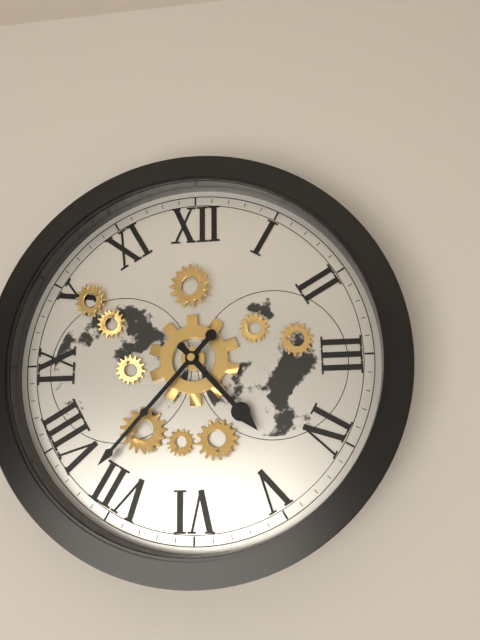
4:37
